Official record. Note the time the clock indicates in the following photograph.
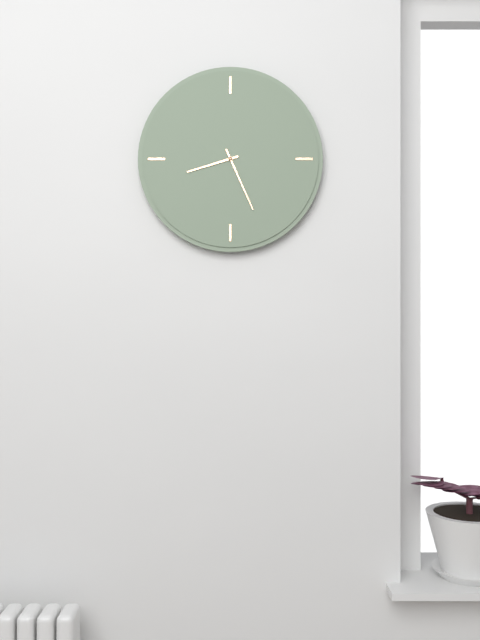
8:26
